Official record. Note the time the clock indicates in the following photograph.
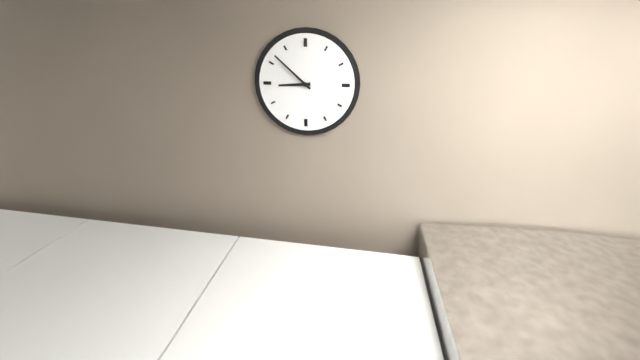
8:52
